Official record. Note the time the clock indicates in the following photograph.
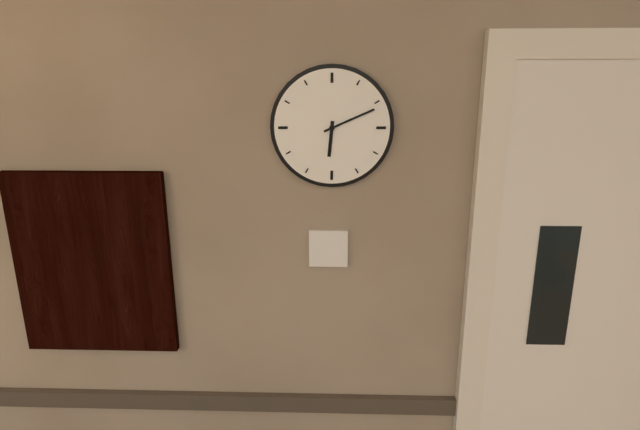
6:11
